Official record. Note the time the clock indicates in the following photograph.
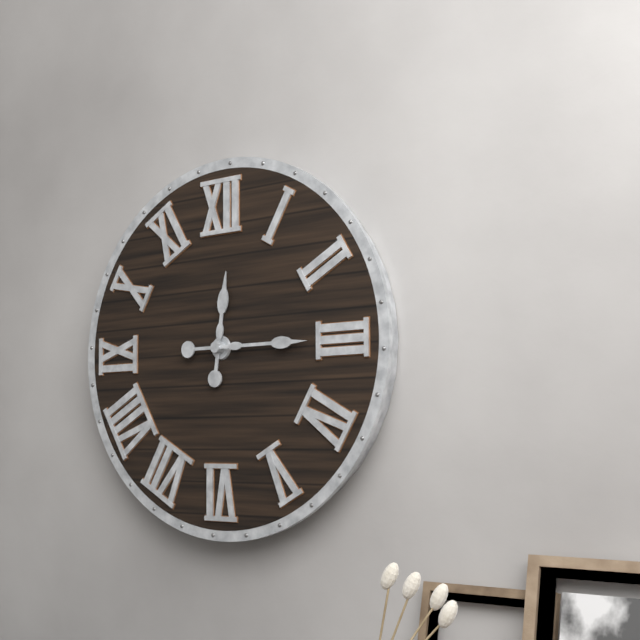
12:15
